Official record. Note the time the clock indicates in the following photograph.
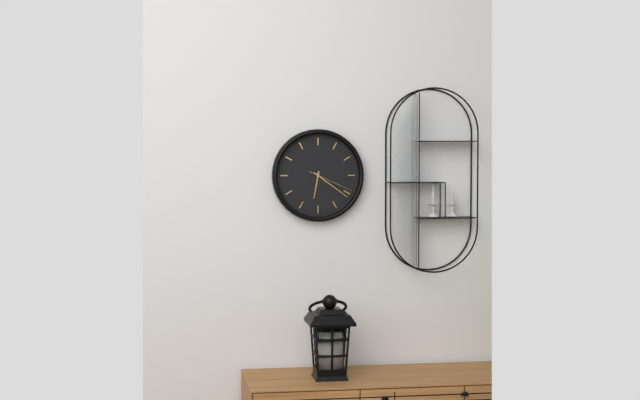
6:21
